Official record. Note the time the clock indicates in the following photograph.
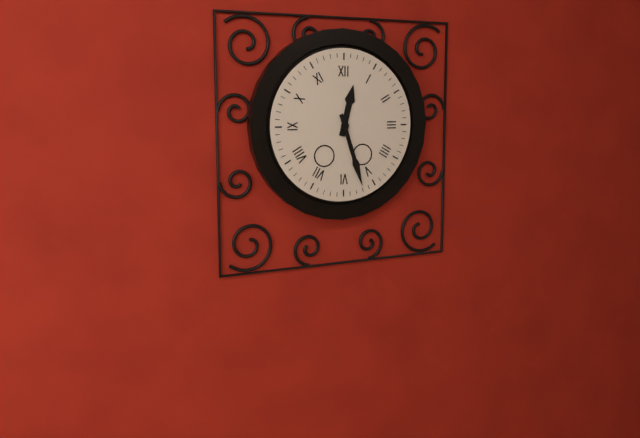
12:27
